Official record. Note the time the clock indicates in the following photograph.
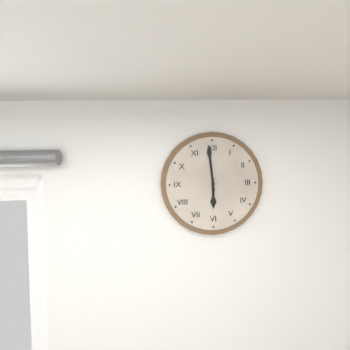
5:59
